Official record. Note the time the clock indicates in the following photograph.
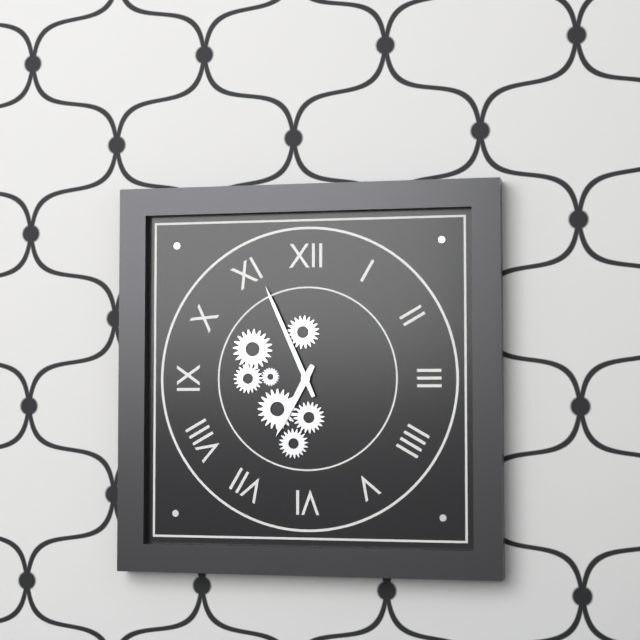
6:56
